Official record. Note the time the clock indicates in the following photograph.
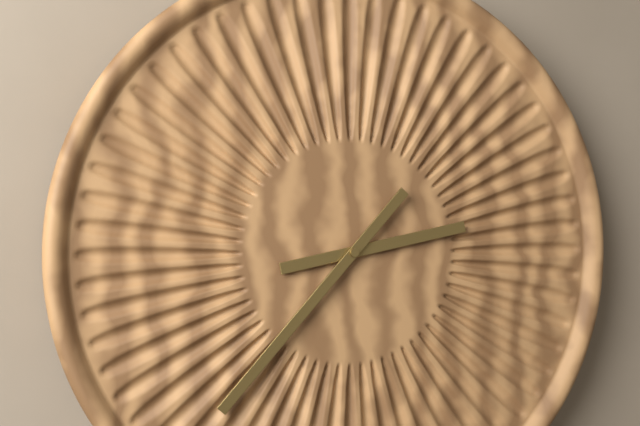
2:37
